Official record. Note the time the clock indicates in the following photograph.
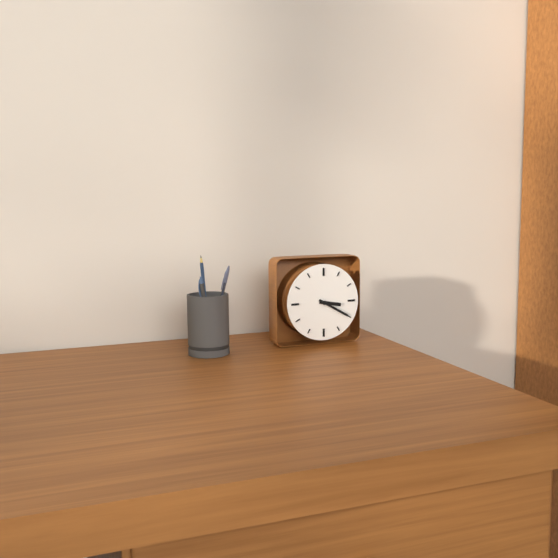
3:20
